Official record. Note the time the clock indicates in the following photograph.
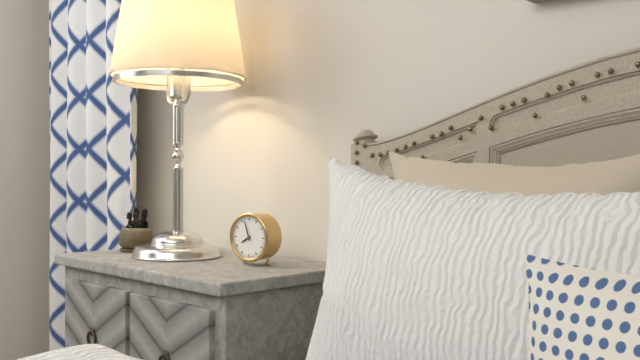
7:57
